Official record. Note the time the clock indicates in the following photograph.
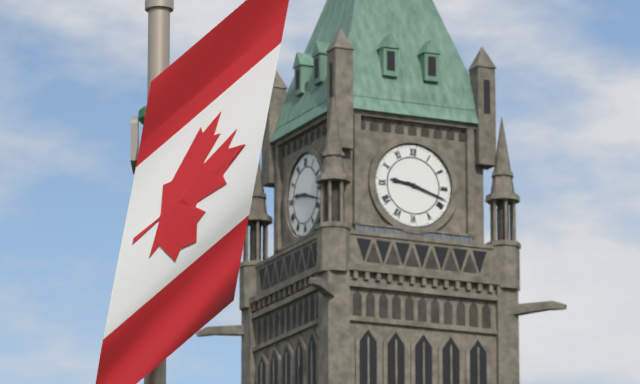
9:18
